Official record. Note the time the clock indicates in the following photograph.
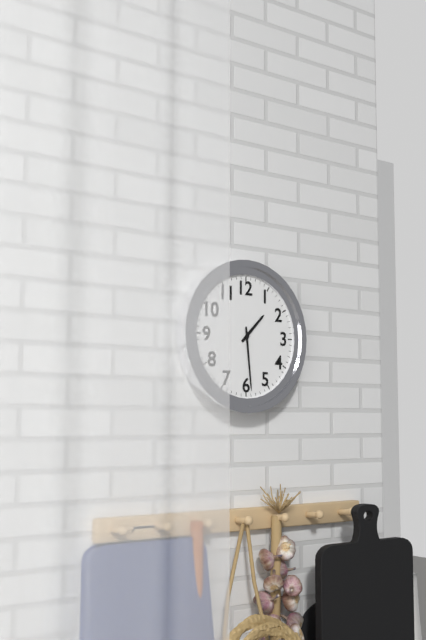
1:29
